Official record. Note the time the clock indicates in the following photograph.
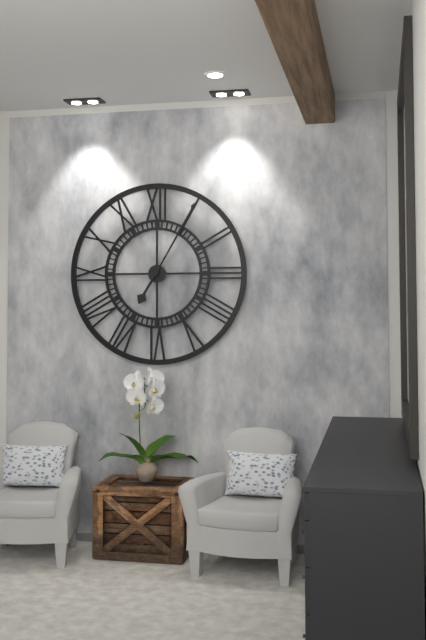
7:05
